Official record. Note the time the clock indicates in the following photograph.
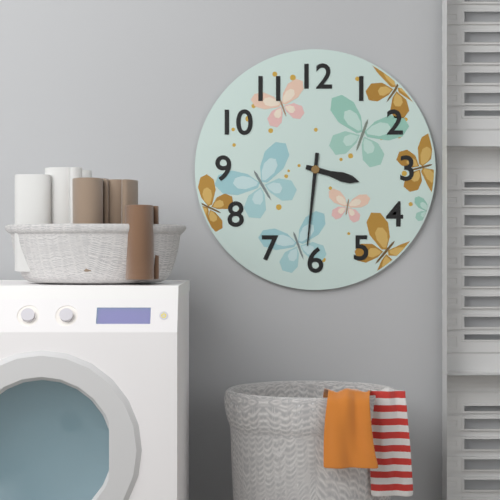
3:31
